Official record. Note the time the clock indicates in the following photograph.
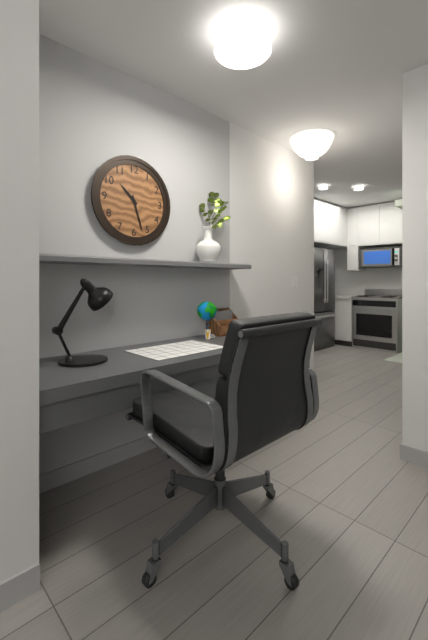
10:27
